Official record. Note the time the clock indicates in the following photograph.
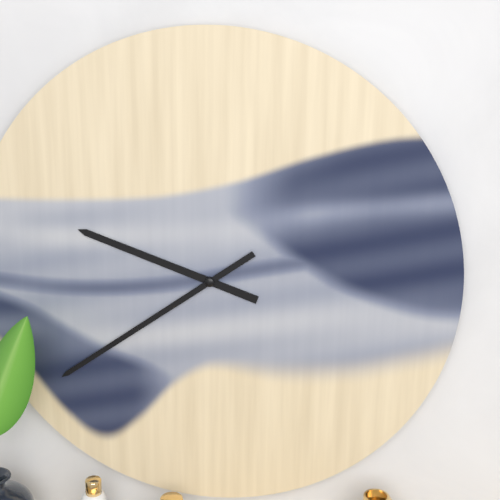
9:39
